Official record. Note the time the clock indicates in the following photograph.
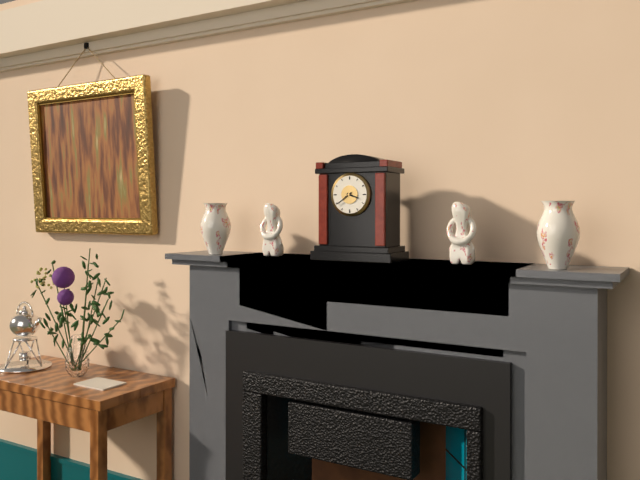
3:39
